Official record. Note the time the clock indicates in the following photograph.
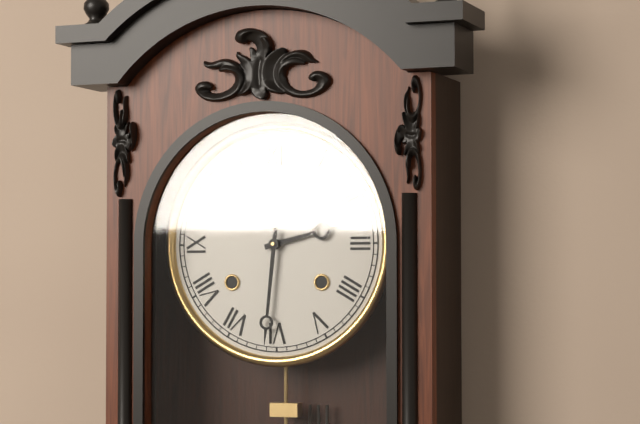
2:31
